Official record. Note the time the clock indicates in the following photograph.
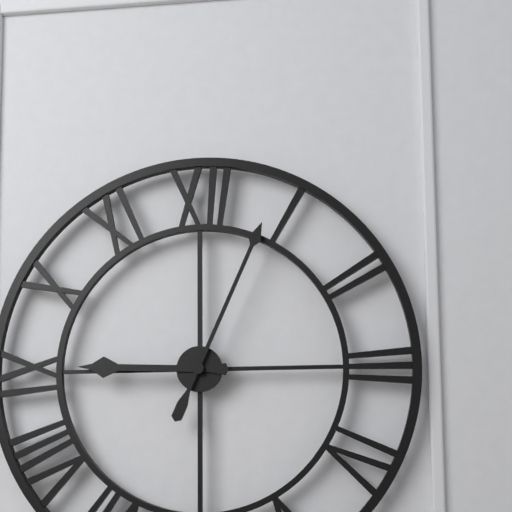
9:04
